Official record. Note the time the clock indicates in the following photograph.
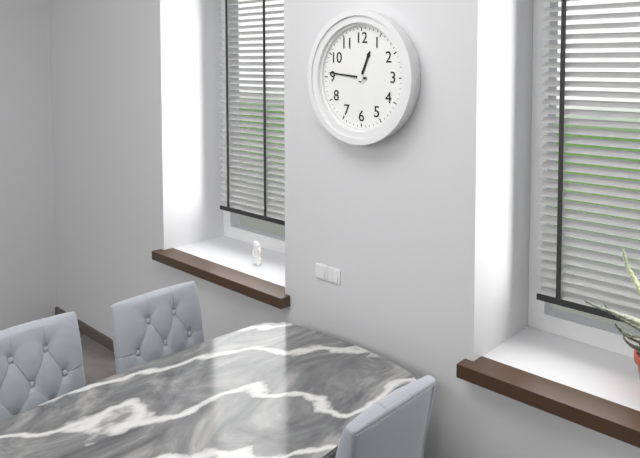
12:46
